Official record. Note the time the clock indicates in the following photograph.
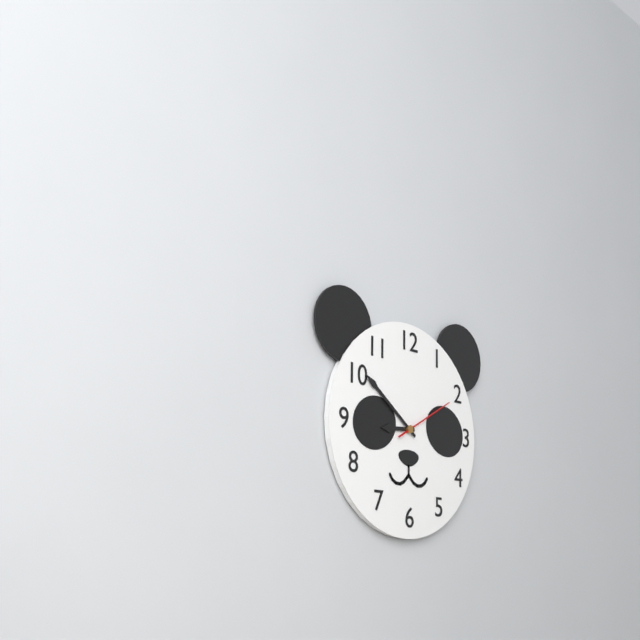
8:51:10
